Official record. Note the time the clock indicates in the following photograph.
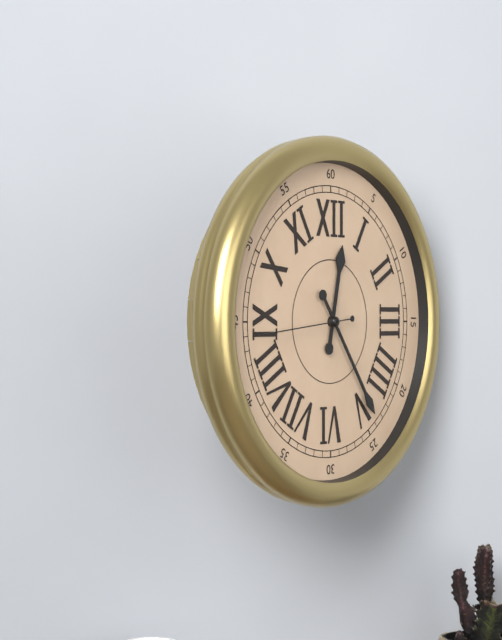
12:24:44
